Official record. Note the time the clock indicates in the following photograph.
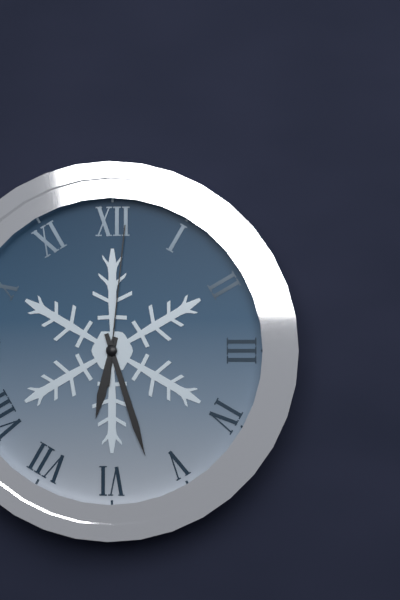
6:27:01
